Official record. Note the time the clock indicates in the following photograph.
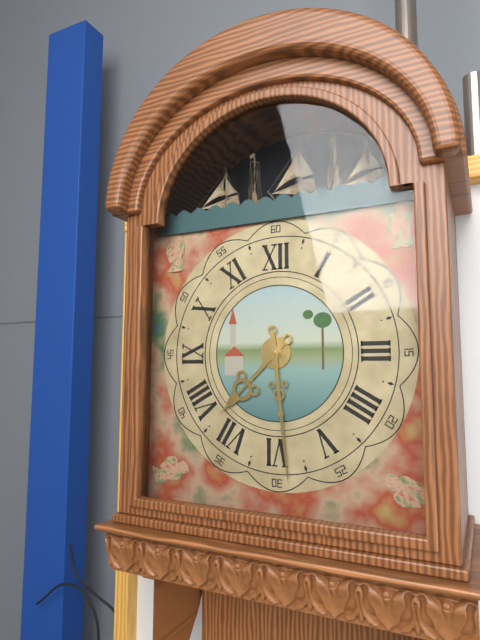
7:29
